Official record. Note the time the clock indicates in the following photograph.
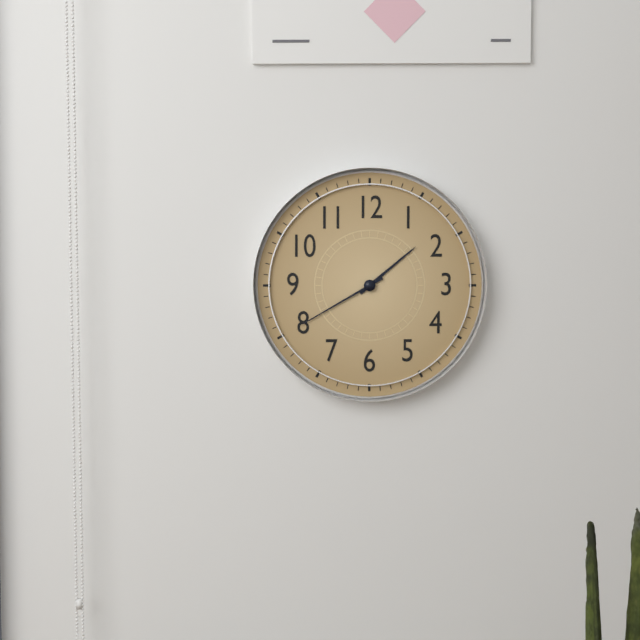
1:40
